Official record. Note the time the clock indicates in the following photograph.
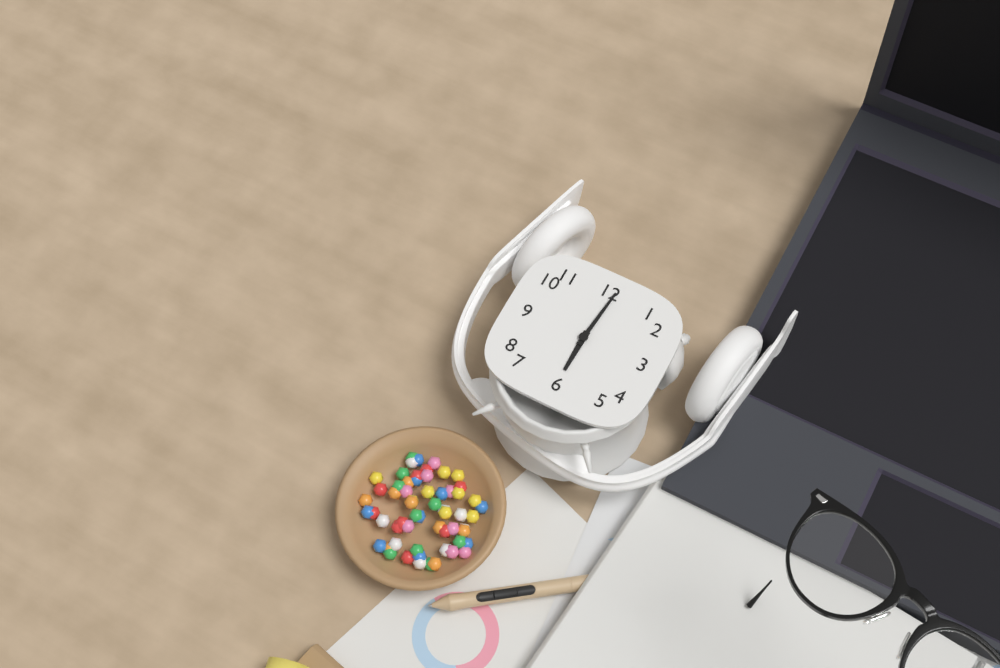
6:01
